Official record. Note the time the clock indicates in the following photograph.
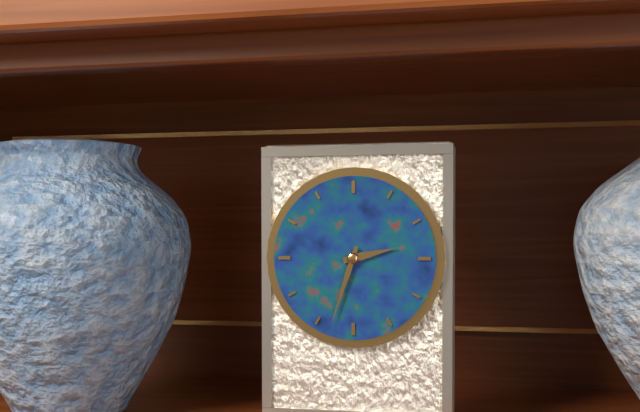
2:33
